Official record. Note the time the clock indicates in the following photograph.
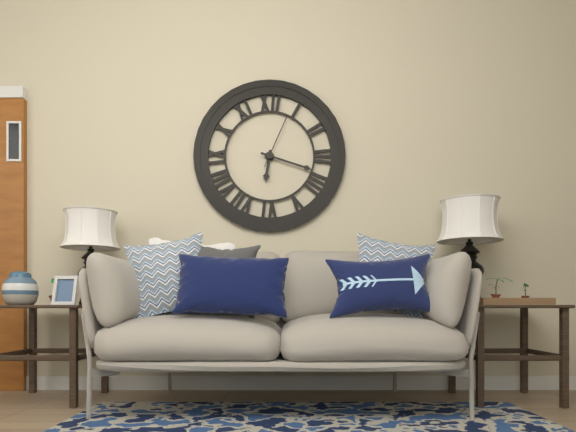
6:18:04
